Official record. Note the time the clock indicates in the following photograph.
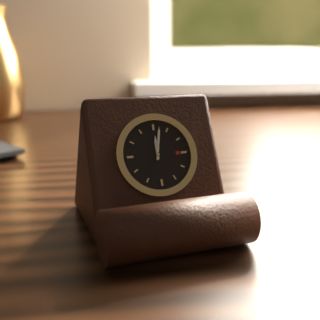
12:02
